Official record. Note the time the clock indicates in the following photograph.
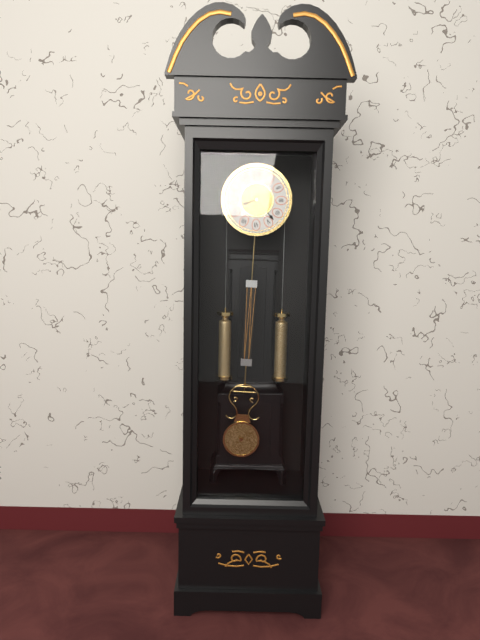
8:23
